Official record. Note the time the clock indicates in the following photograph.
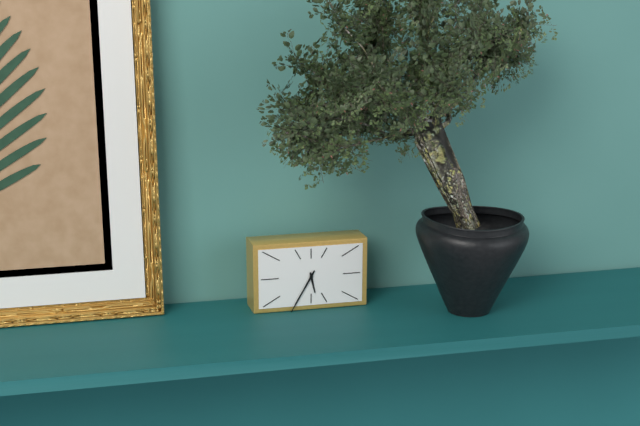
5:35
